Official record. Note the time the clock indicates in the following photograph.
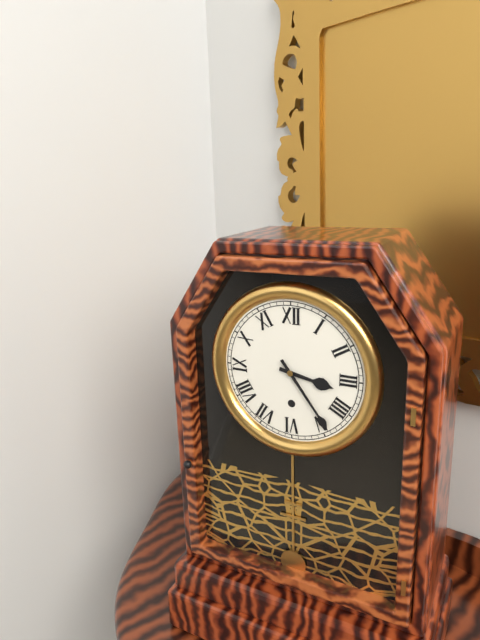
3:24
